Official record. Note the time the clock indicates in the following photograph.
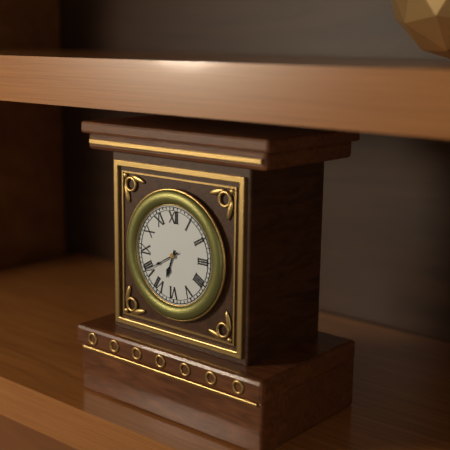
6:40
